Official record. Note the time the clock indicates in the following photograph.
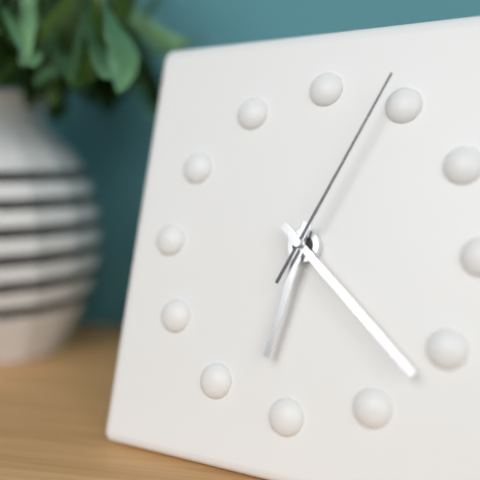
6:22:04
